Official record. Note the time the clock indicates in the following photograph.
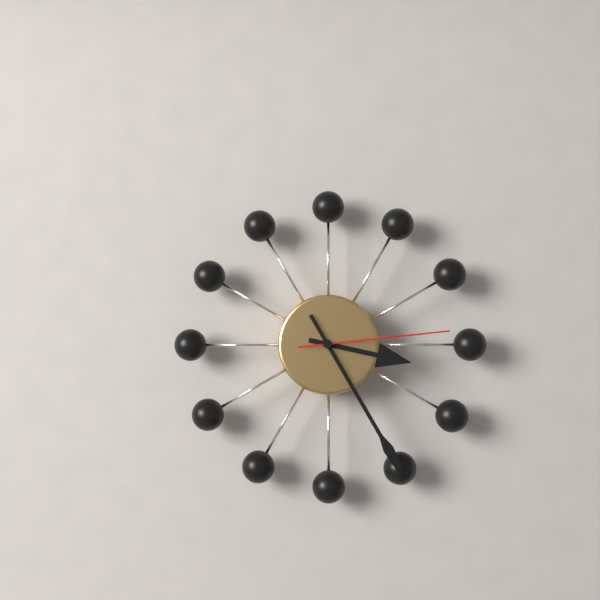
3:25:14
